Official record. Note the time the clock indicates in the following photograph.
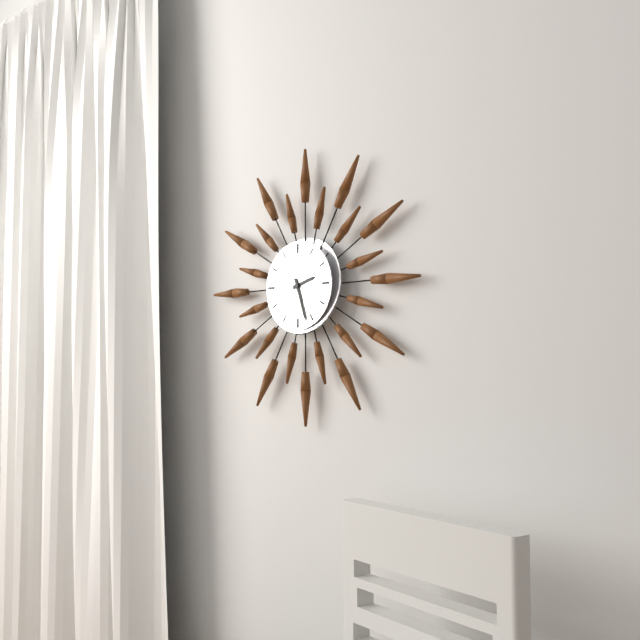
2:27
